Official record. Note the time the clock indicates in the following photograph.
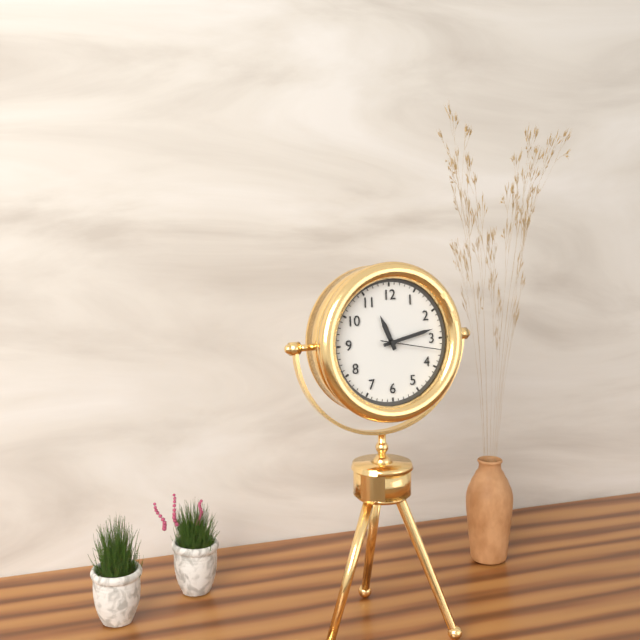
11:13:17
